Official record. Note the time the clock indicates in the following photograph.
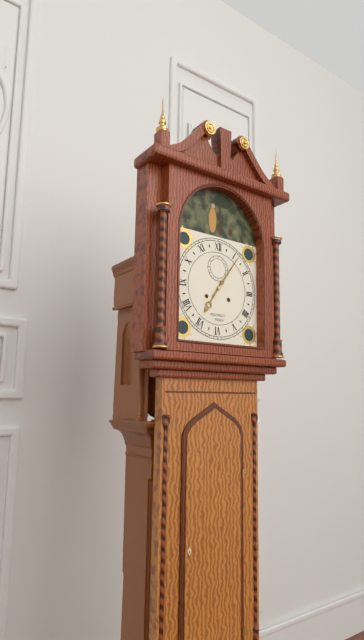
7:06
